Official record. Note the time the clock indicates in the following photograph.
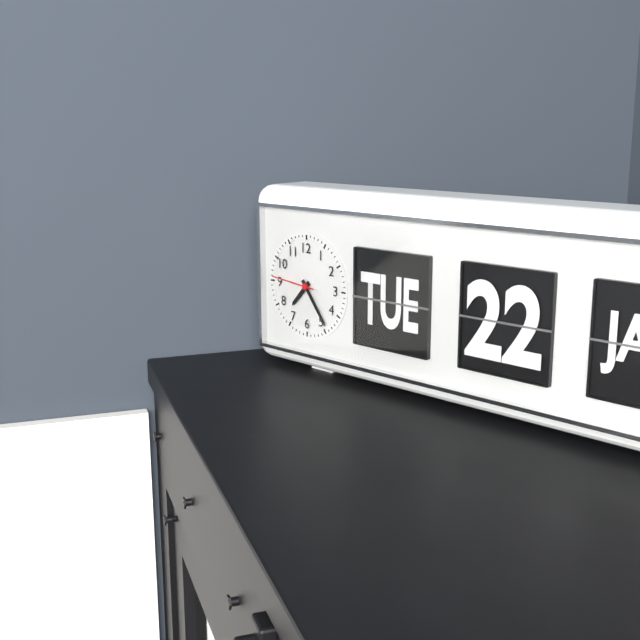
7:24:46
